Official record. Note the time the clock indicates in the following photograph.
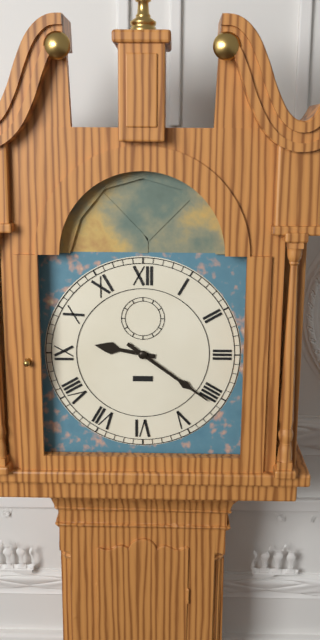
9:21
